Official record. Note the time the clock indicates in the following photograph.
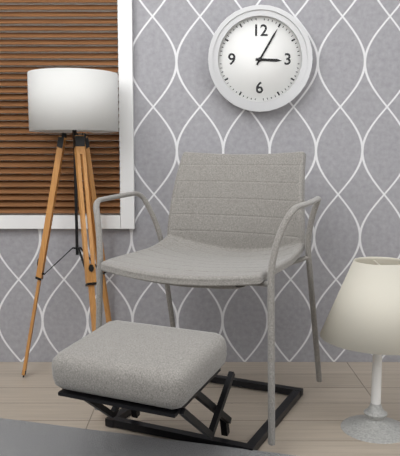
3:05
